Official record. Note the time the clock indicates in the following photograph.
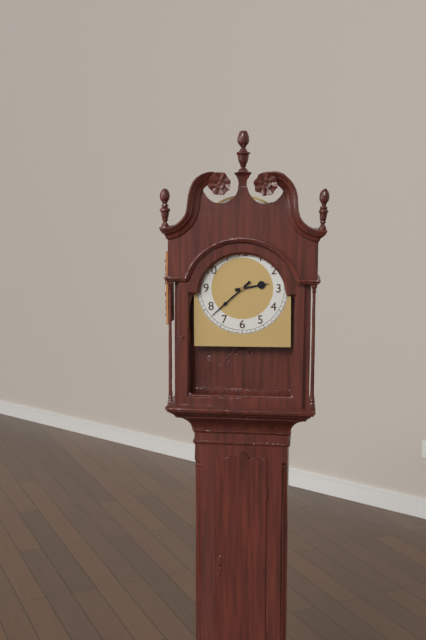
2:38
